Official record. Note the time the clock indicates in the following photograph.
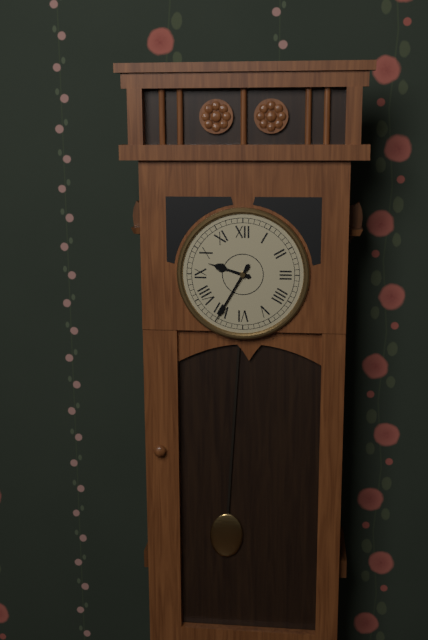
9:35
